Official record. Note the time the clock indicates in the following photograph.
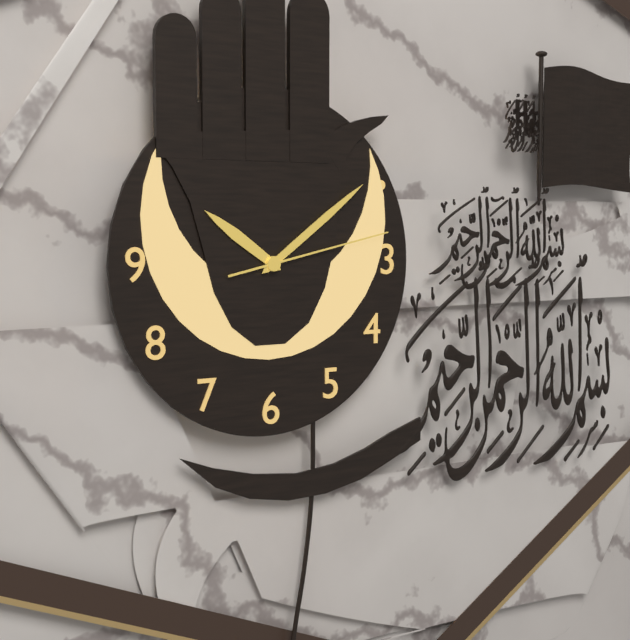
10:09:13
